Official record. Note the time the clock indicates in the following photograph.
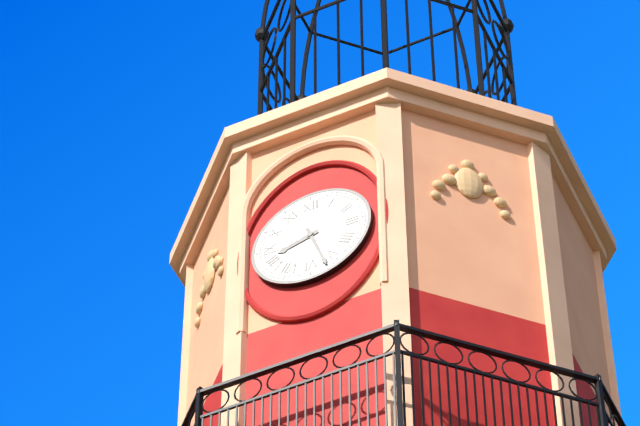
8:27
